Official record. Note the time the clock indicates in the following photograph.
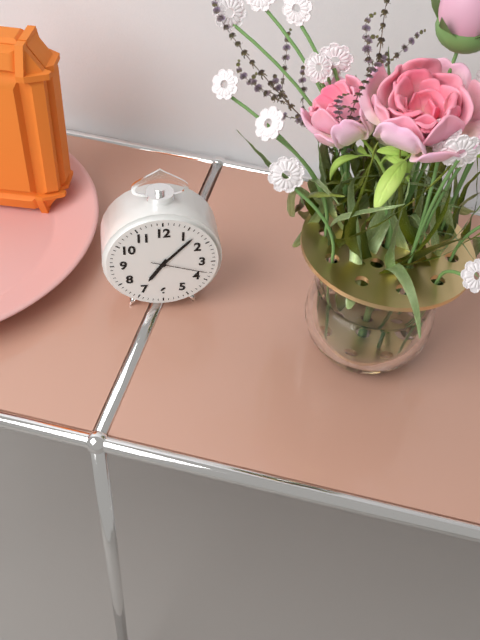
7:07:18
